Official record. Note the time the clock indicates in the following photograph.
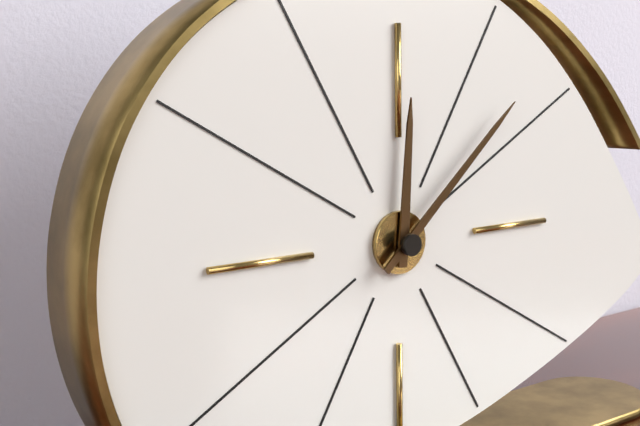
12:08
